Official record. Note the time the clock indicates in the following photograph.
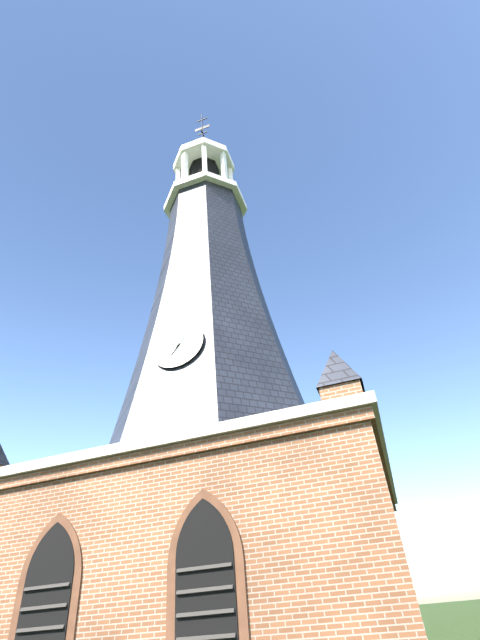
7:04
